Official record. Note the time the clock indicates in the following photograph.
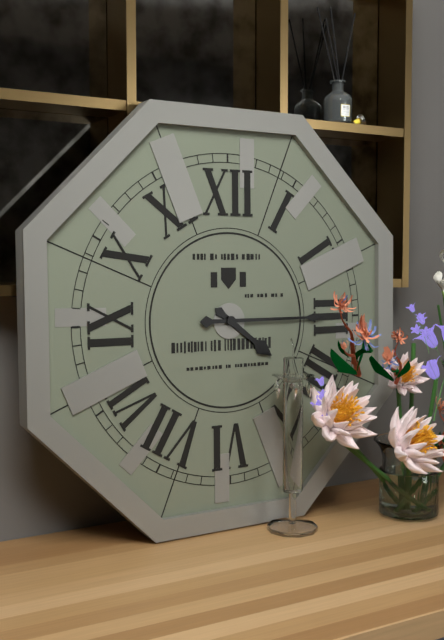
4:15
